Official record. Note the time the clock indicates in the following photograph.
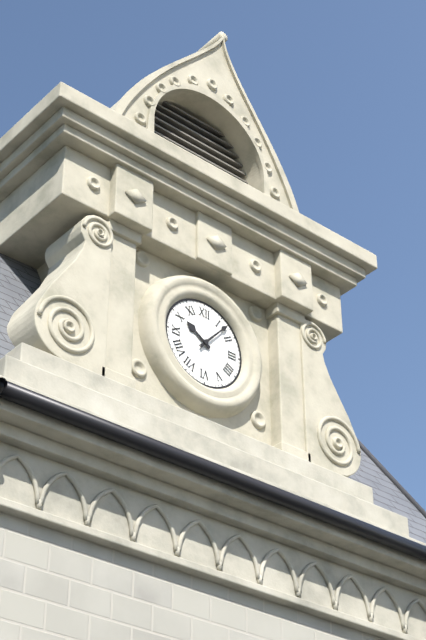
10:07
